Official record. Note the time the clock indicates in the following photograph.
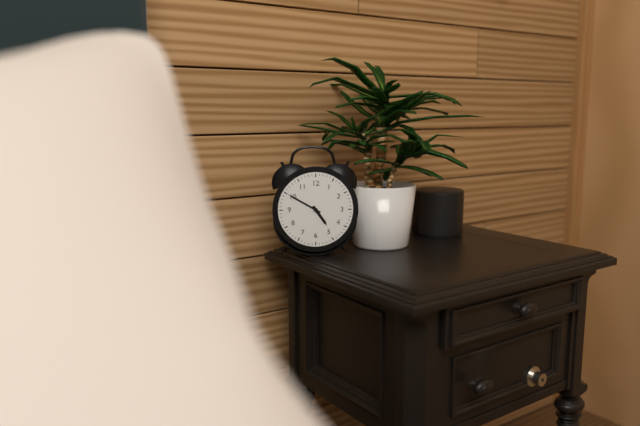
4:50
